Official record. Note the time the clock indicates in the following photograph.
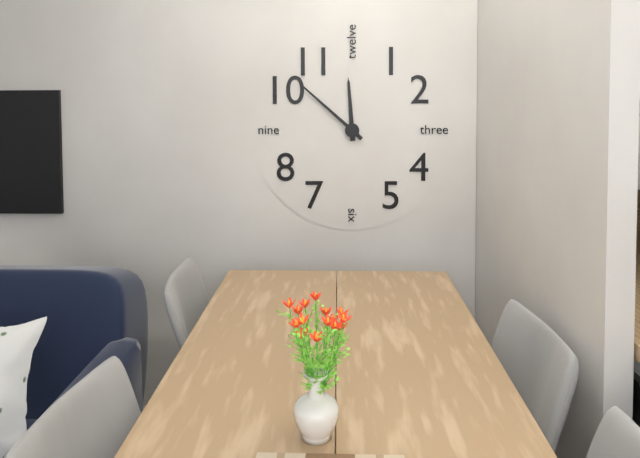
11:52
